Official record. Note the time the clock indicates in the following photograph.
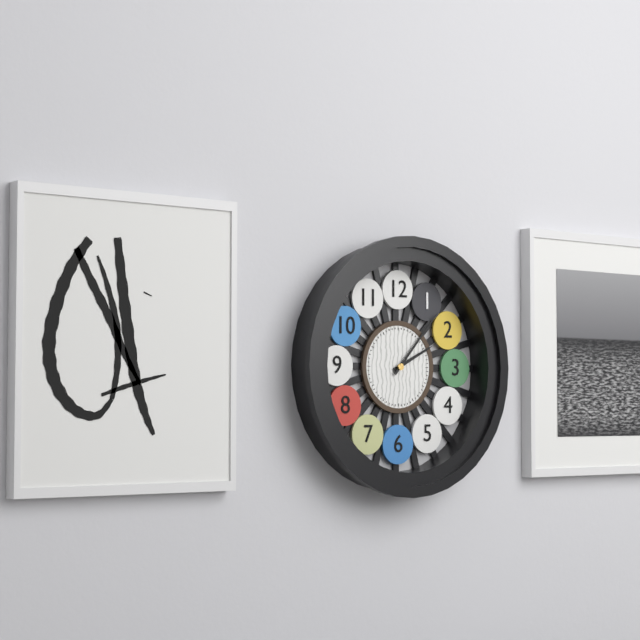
2:07
